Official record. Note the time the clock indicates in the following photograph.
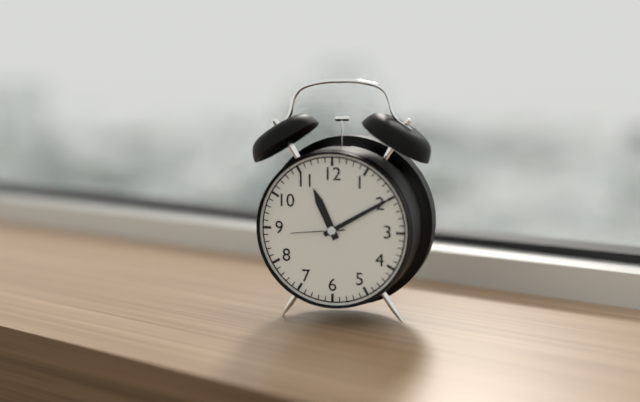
11:10:44
